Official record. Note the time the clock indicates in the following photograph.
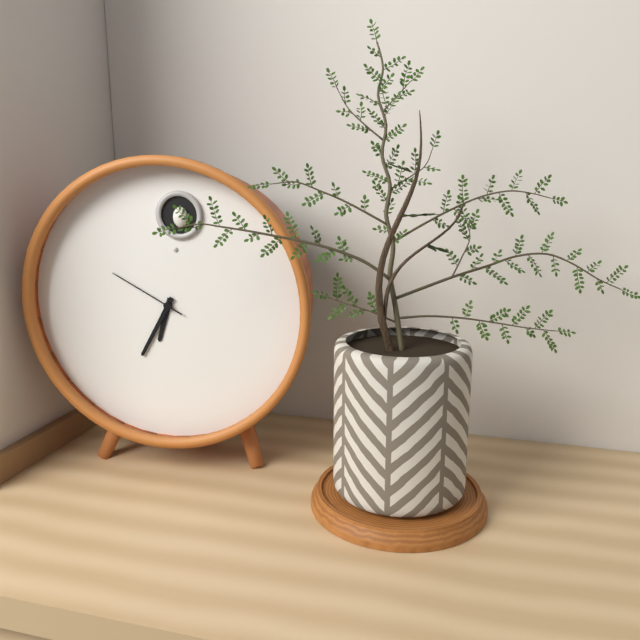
6:35:50
